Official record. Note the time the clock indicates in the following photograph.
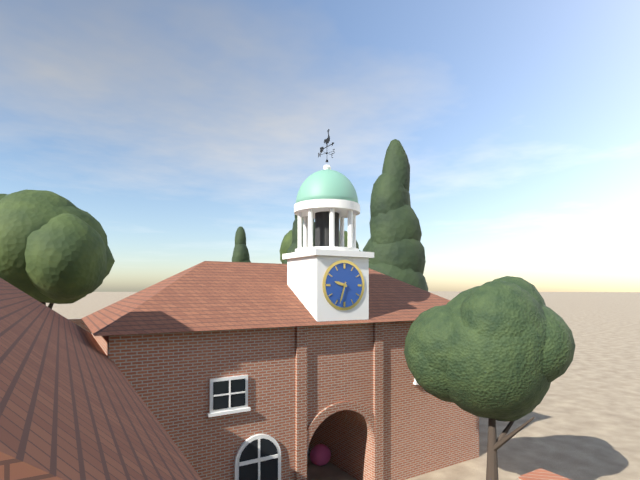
9:33
